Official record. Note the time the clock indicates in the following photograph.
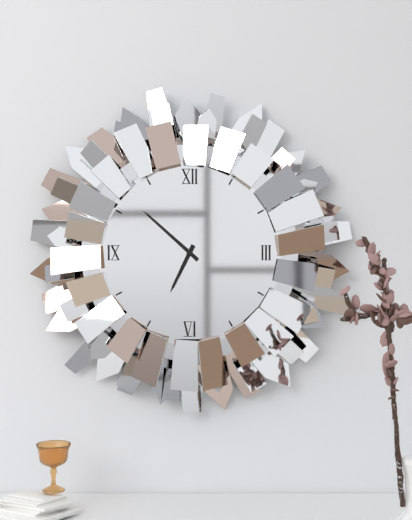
6:52
